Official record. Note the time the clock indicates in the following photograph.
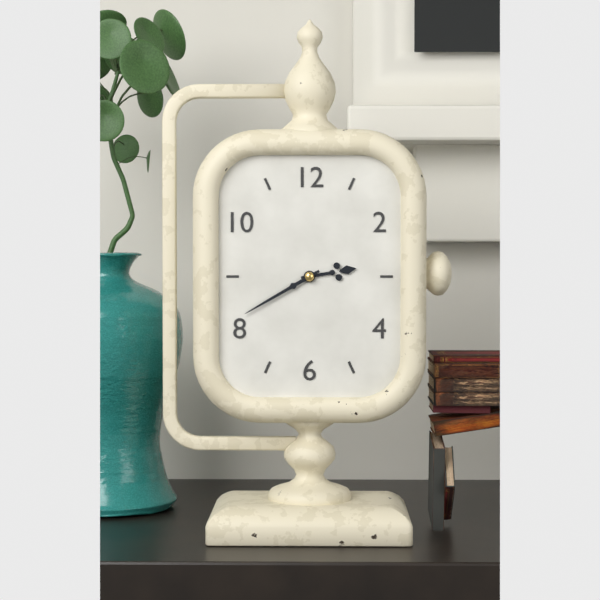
2:40
